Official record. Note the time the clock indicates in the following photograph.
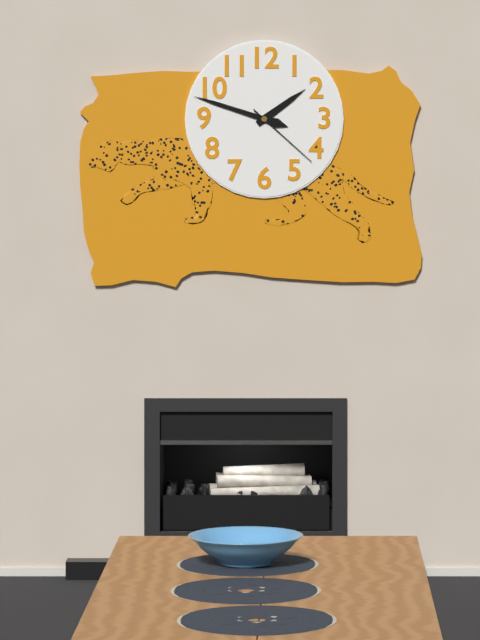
1:48:22
